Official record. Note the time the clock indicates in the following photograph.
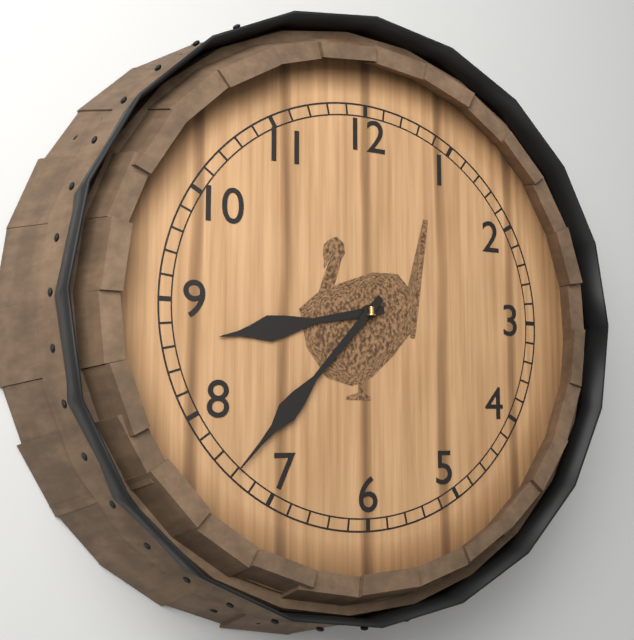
8:37
